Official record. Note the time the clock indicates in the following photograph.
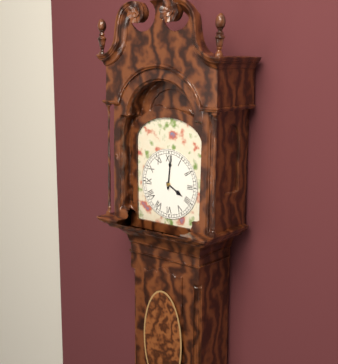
4:01
